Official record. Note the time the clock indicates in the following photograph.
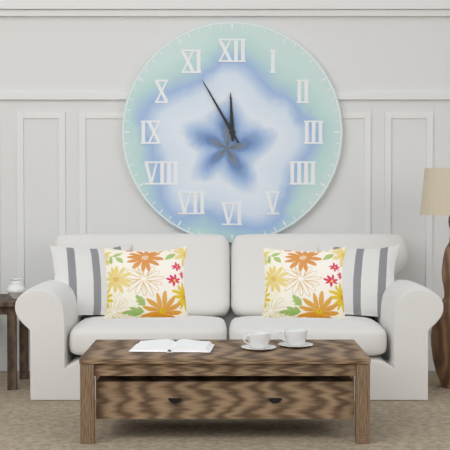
11:55
